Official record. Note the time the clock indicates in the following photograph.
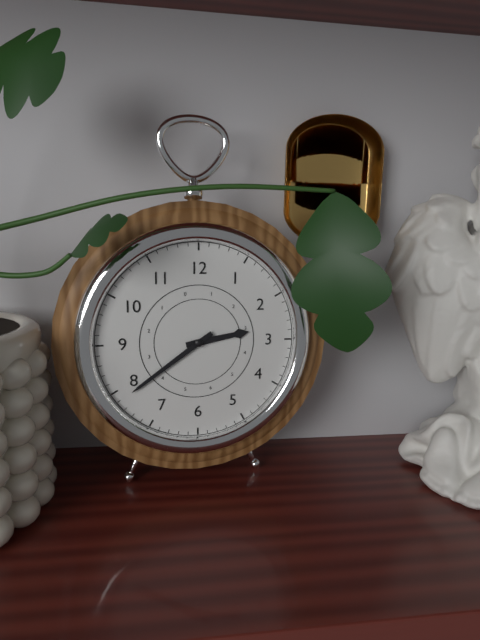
2:39
